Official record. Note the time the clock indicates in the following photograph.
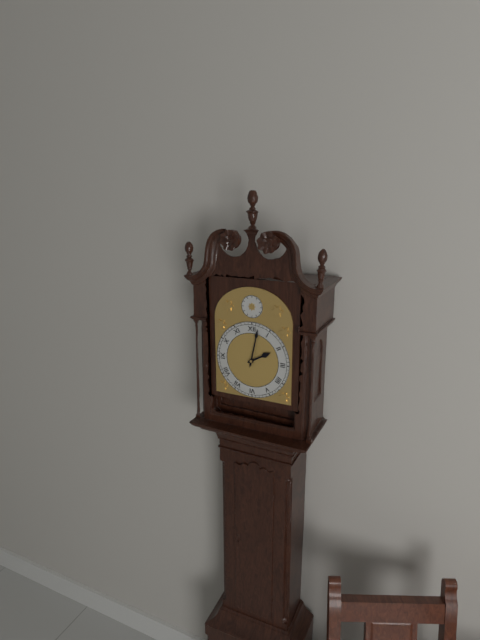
2:02
